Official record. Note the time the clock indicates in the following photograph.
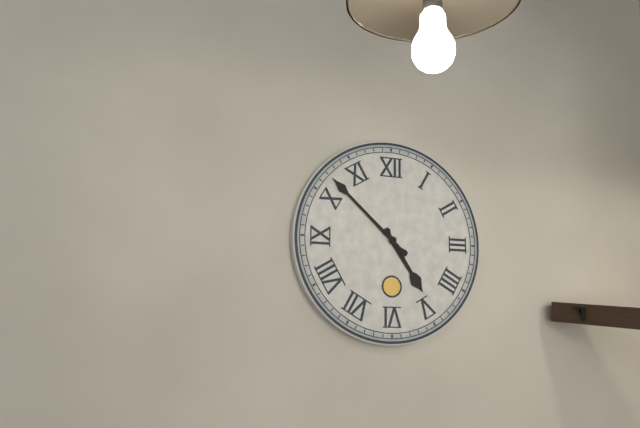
4:52
